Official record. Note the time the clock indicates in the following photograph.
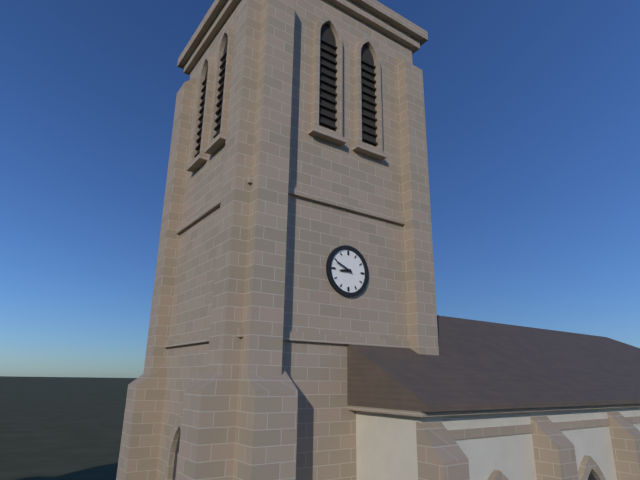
8:49
